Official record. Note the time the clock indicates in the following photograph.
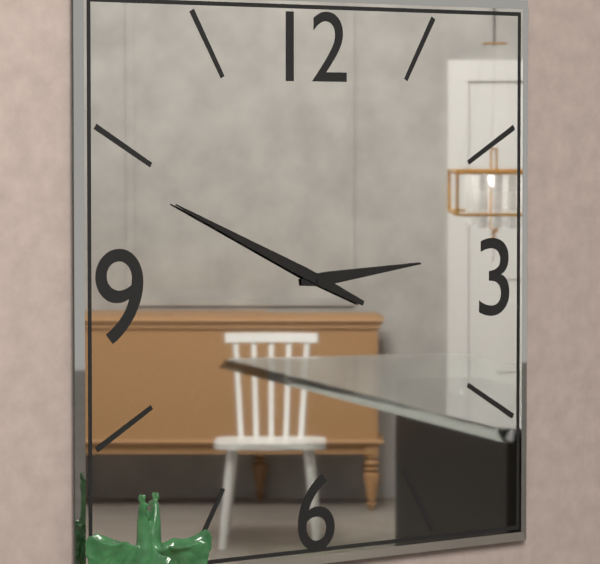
2:49
